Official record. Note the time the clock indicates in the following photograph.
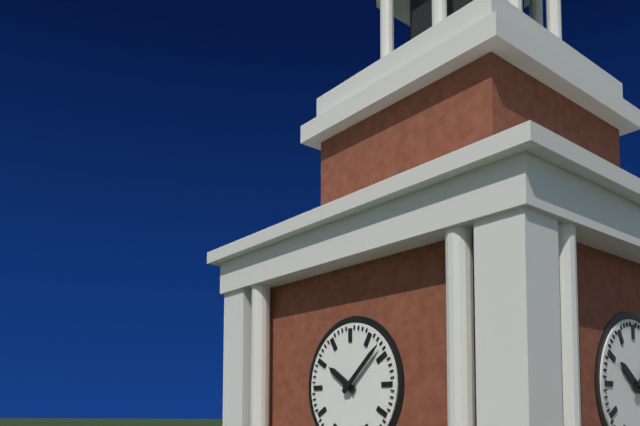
10:08
